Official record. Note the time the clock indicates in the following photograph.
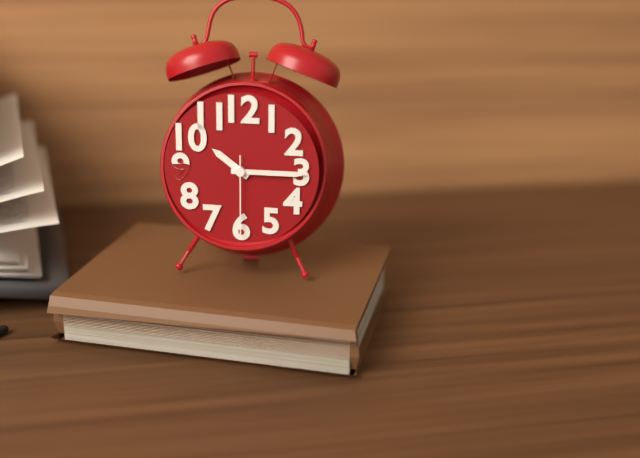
10:15:30
